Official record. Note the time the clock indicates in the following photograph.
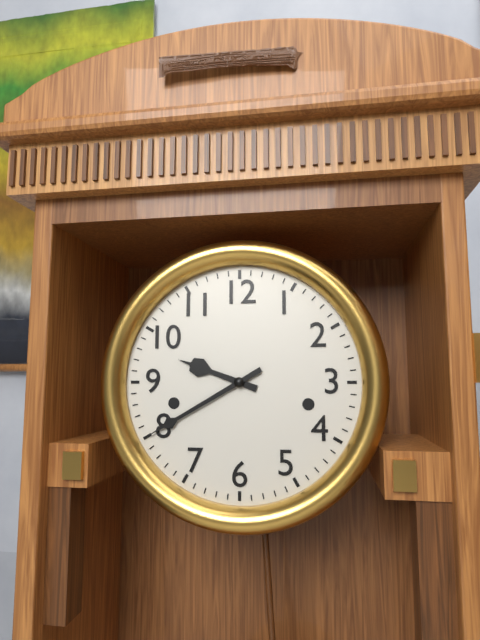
9:40
